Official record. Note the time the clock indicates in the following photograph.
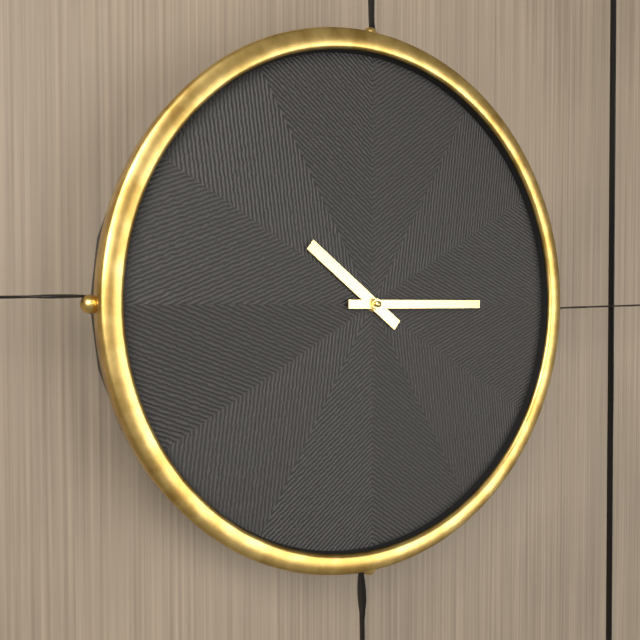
10:15
